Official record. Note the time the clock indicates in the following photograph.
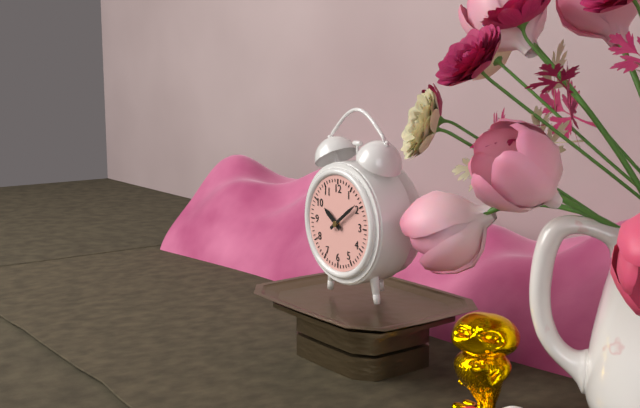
10:09
